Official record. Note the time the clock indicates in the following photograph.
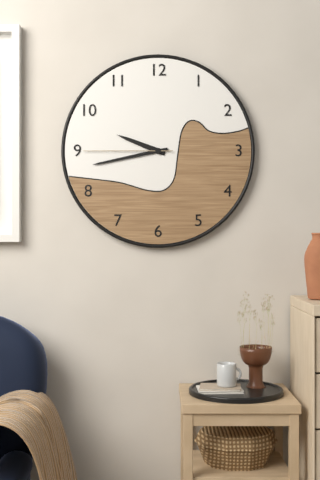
9:43:45
